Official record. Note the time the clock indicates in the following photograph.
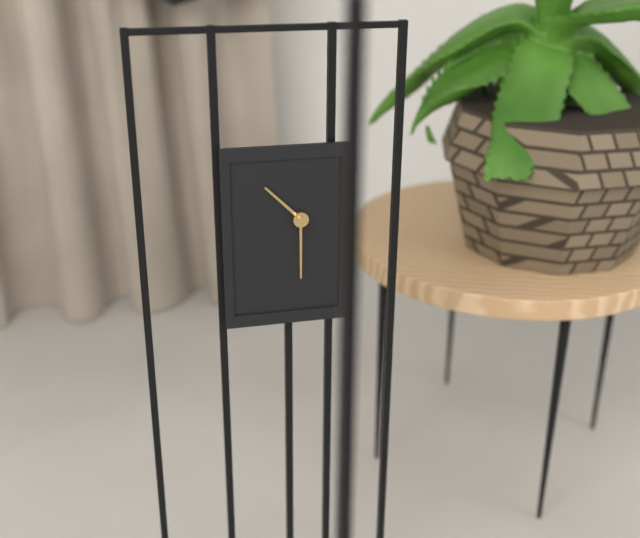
10:30
